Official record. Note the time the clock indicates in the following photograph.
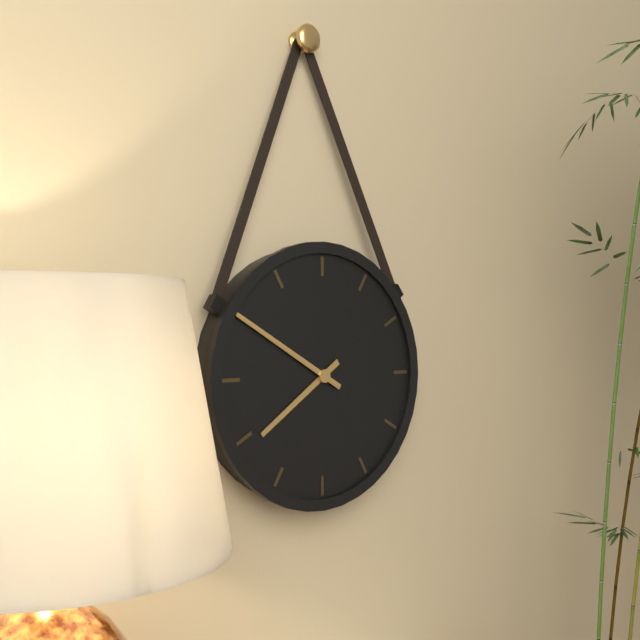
7:50
